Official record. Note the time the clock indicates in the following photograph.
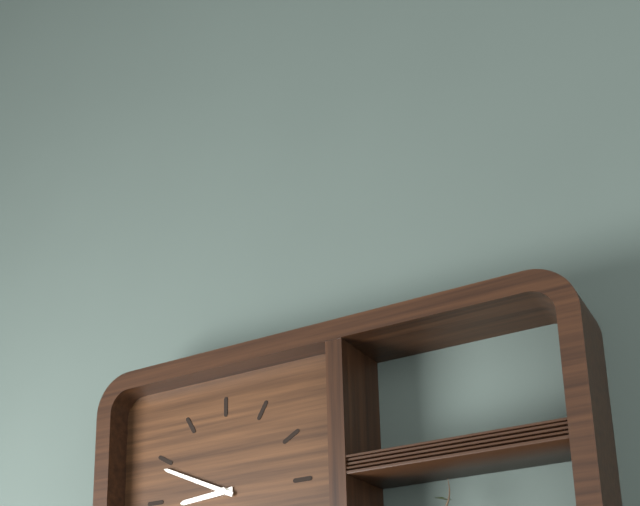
8:49
